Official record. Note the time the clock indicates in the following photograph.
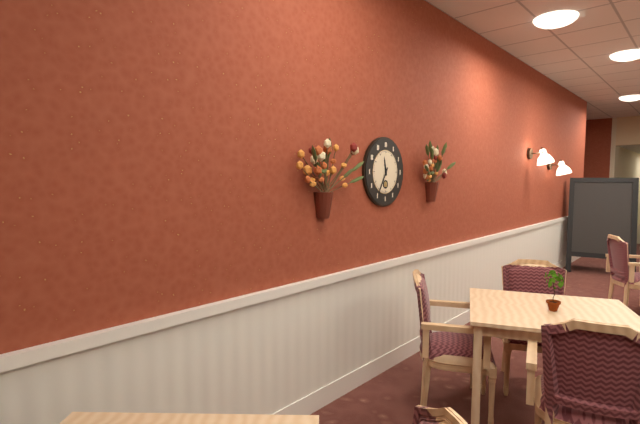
11:35
